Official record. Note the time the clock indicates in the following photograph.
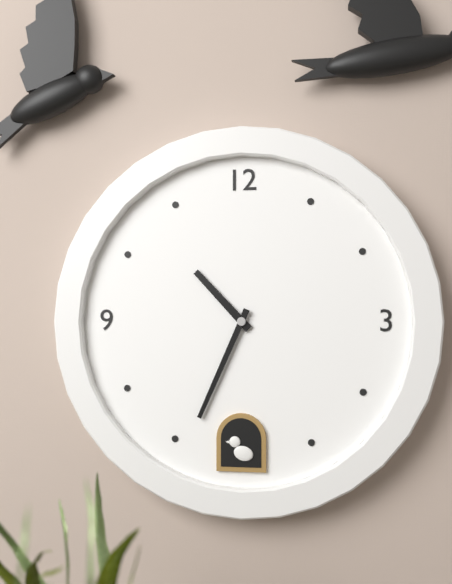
10:34
